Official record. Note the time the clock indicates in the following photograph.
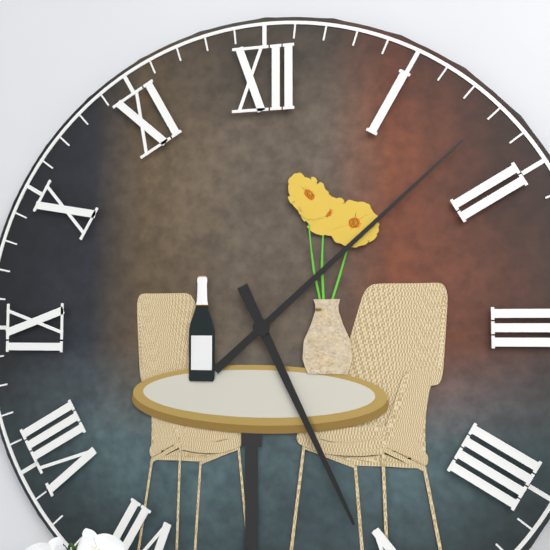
5:08
